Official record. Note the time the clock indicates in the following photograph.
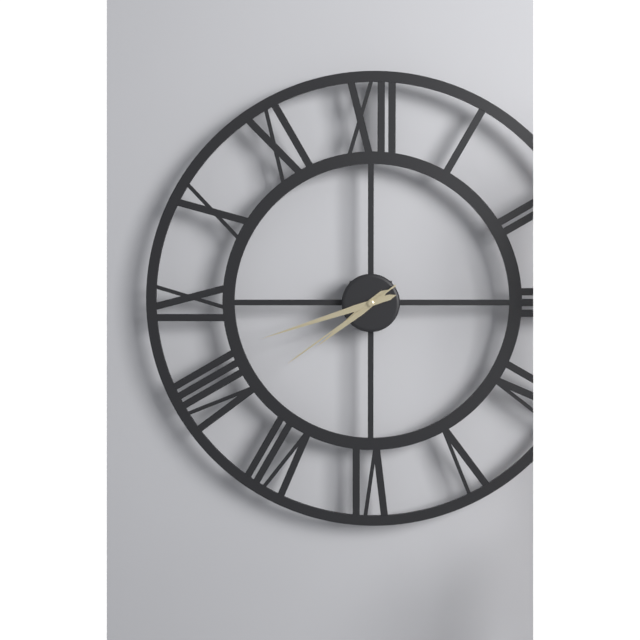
7:42:39
